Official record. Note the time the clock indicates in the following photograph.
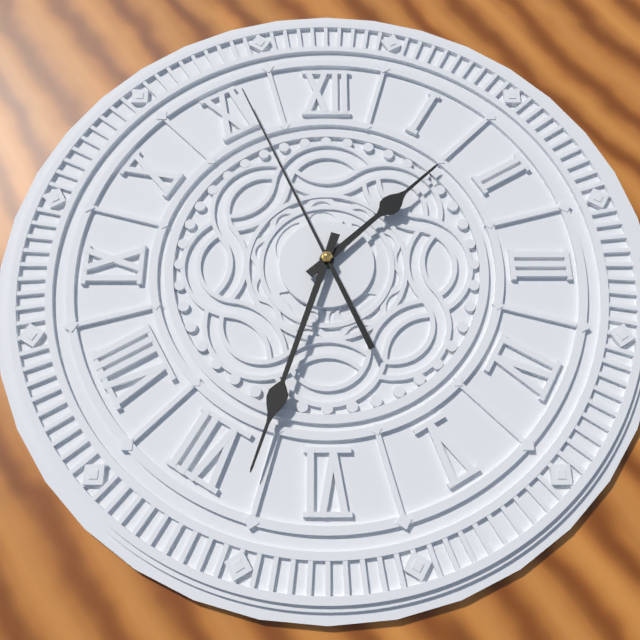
1:33:56
